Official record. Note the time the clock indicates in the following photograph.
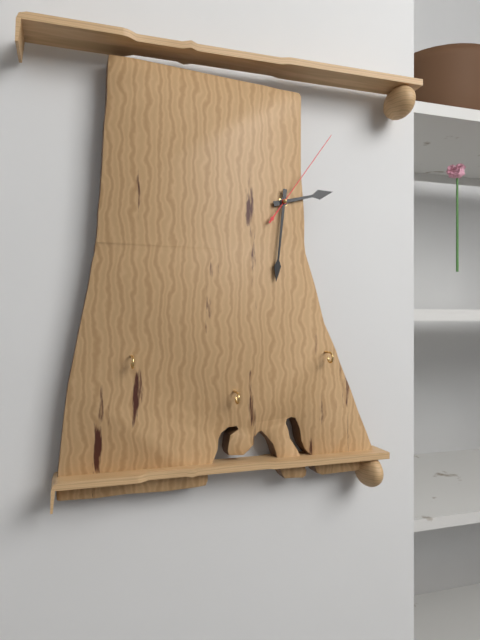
2:31:06
